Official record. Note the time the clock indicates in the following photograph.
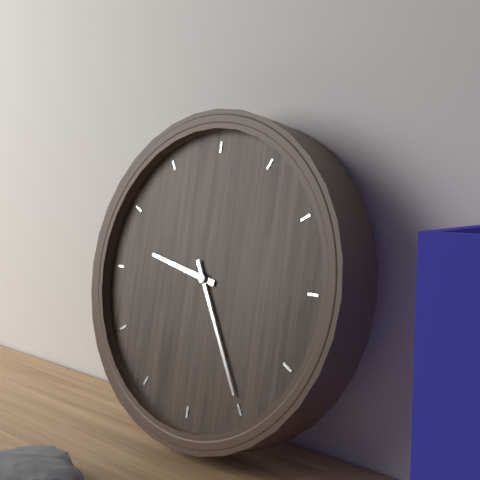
9:25
